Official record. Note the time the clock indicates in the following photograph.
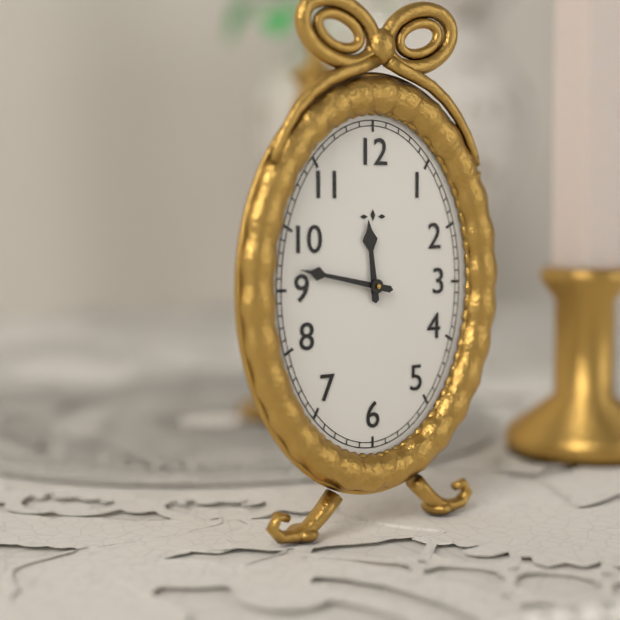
11:47
